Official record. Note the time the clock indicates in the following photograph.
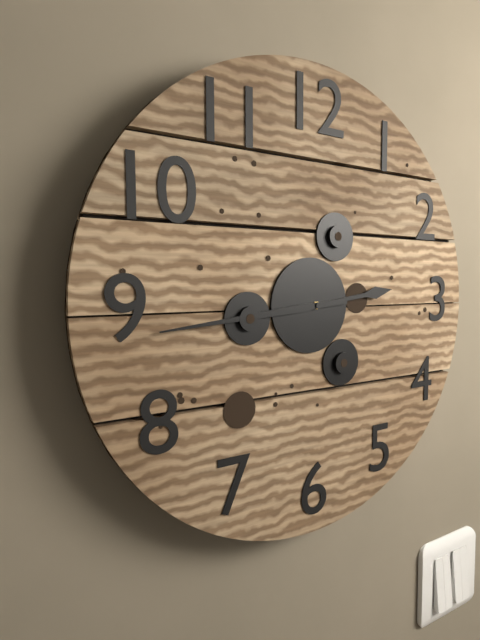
2:44
